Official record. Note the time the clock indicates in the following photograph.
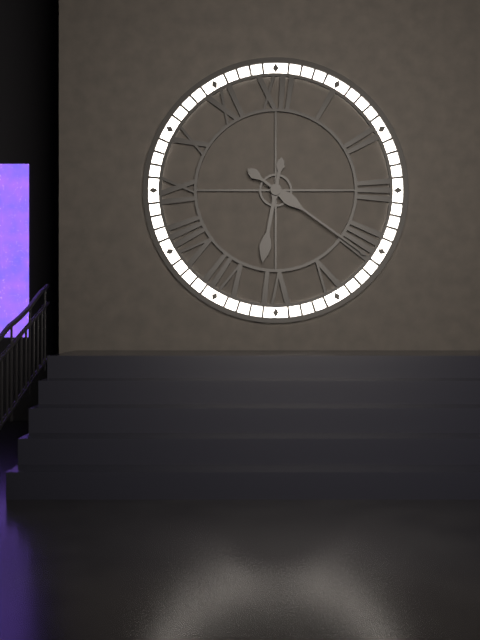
6:21
